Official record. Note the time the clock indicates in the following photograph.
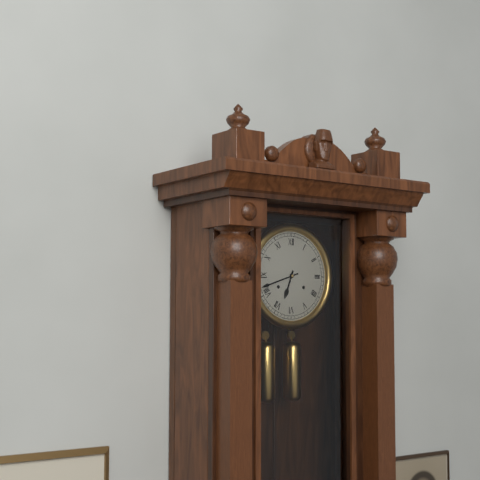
6:42
